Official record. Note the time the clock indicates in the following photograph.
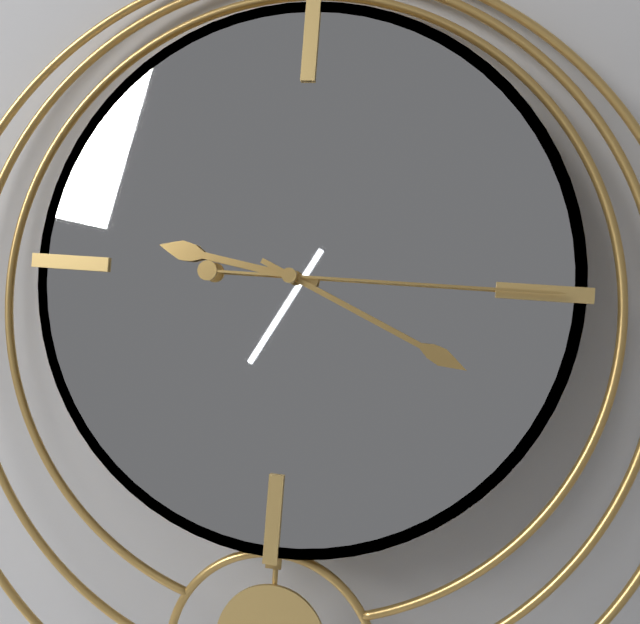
9:19:15
